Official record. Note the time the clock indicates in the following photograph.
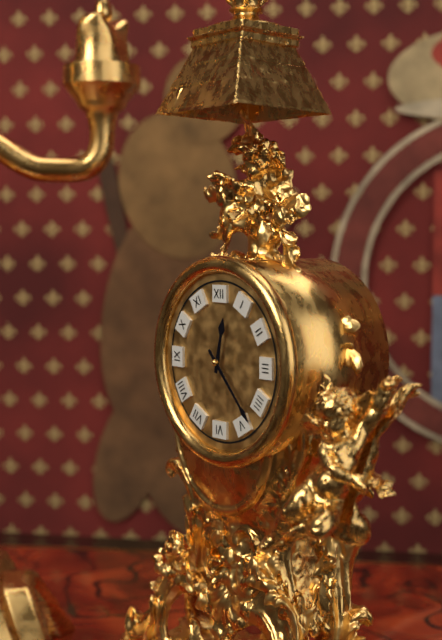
12:23
